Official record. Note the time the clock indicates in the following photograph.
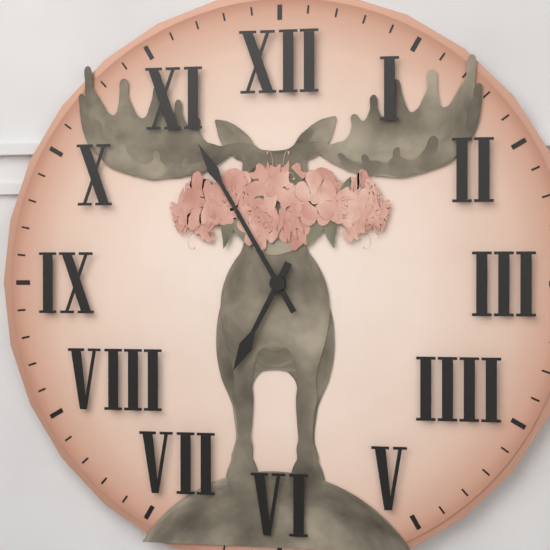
6:55
